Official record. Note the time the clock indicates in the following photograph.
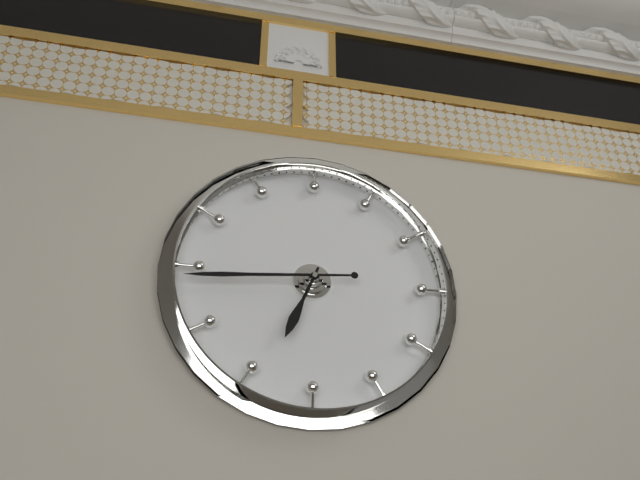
6:44
